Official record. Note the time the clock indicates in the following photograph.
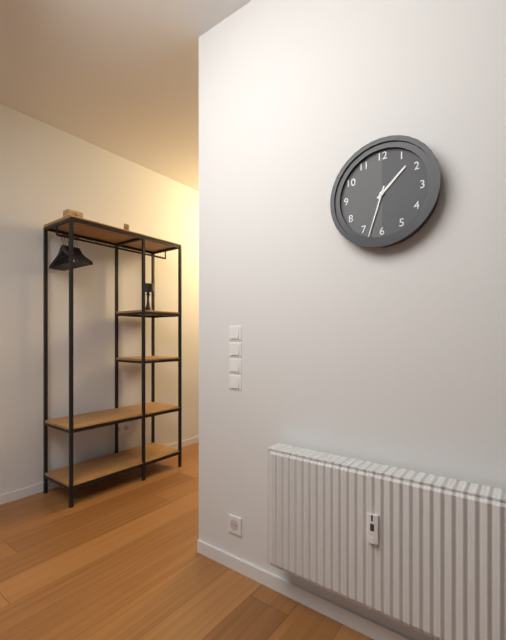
1:33
